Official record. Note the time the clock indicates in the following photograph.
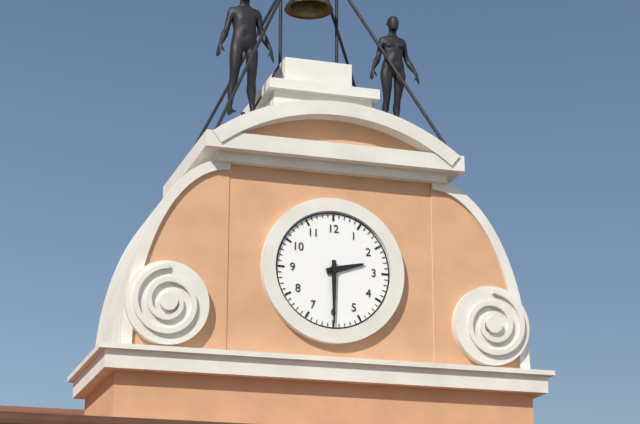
2:30
